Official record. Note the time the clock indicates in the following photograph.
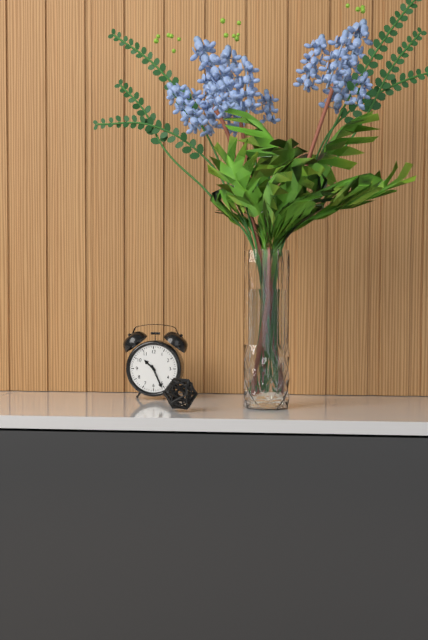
10:26
